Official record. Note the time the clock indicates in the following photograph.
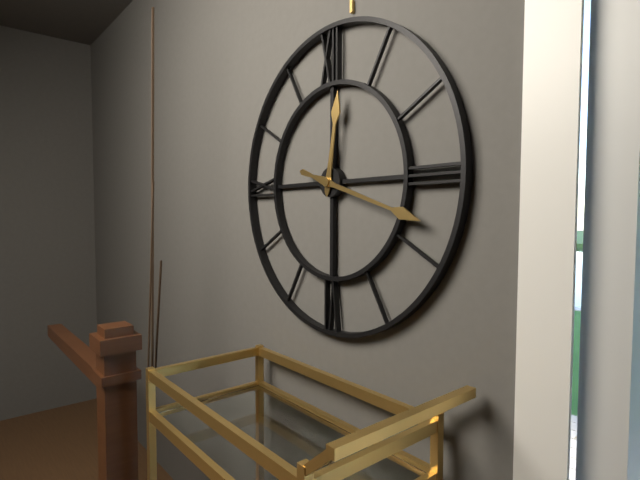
12:18
